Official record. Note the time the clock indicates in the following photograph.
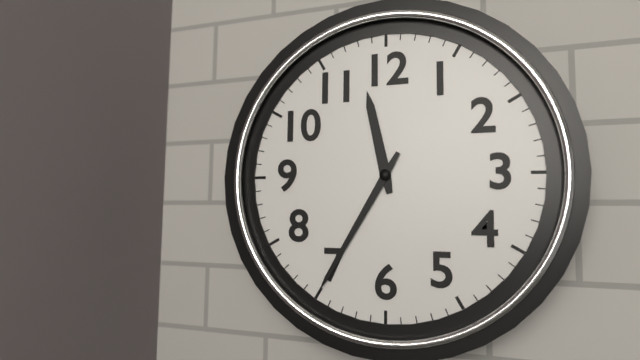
11:35
